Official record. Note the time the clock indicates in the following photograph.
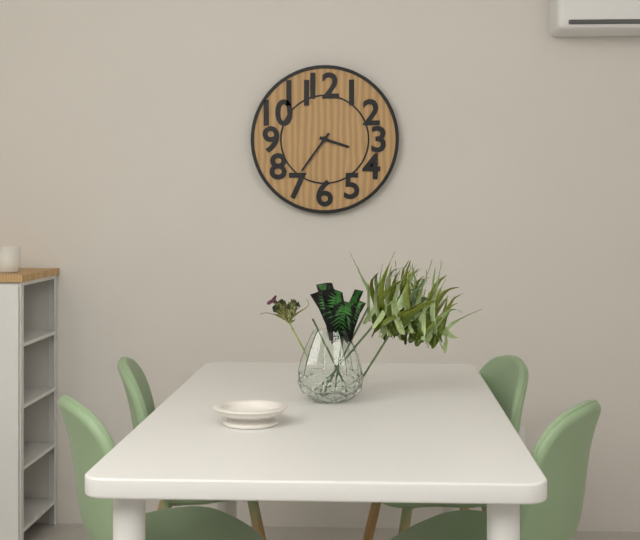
3:36
